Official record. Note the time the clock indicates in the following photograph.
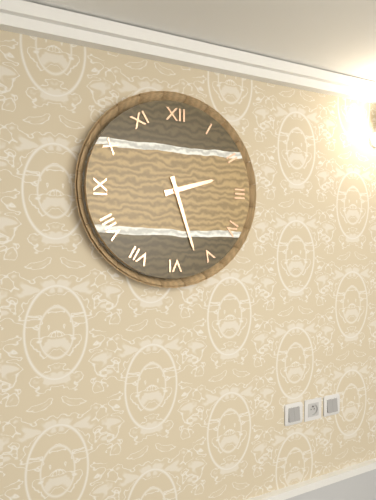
2:27
